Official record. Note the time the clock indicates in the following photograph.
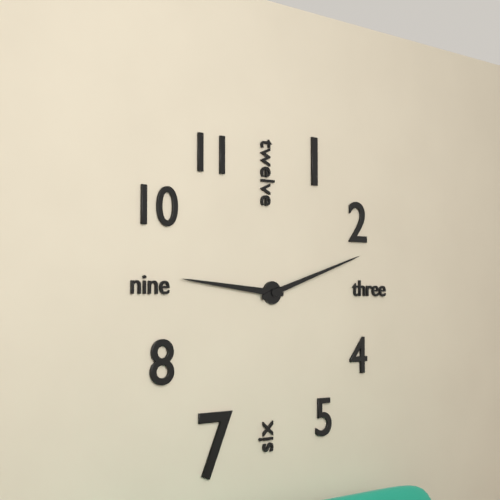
9:12
